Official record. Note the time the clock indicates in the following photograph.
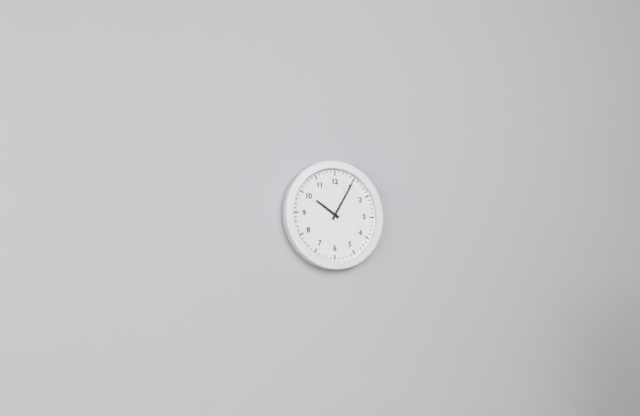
10:05
